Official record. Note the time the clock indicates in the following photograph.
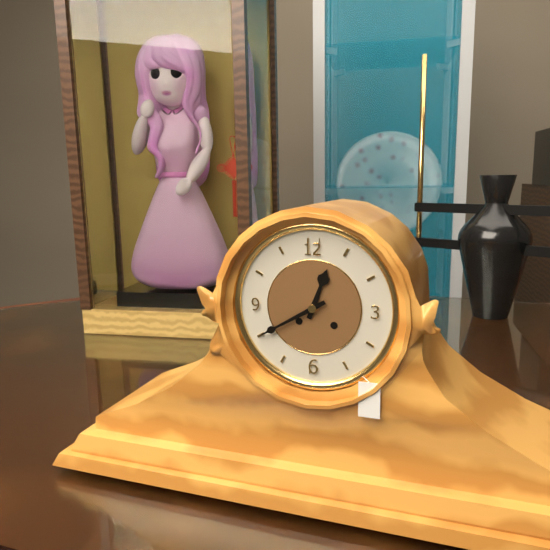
12:40
